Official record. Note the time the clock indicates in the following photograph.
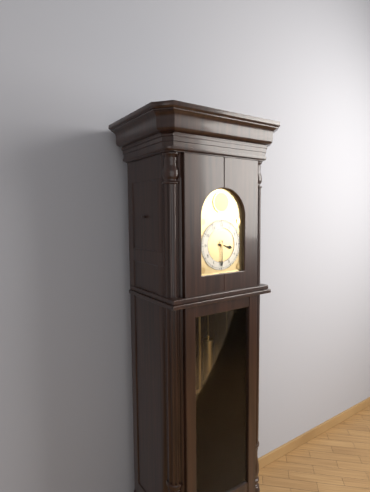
3:30
